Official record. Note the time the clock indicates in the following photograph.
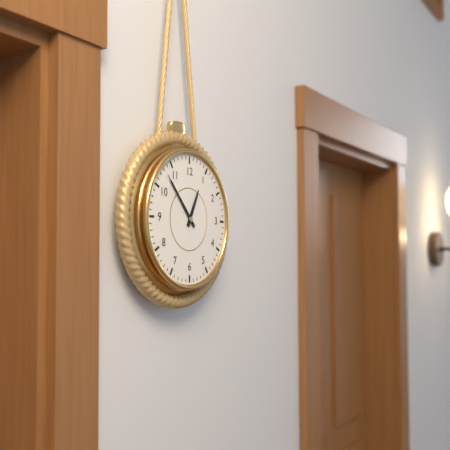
12:53
